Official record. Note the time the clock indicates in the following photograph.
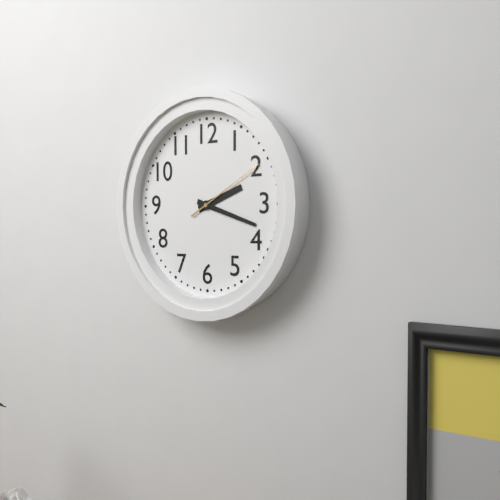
2:18:10
